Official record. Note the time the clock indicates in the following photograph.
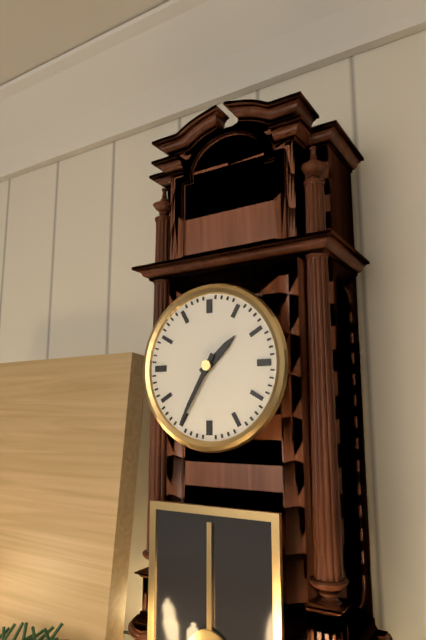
1:35
